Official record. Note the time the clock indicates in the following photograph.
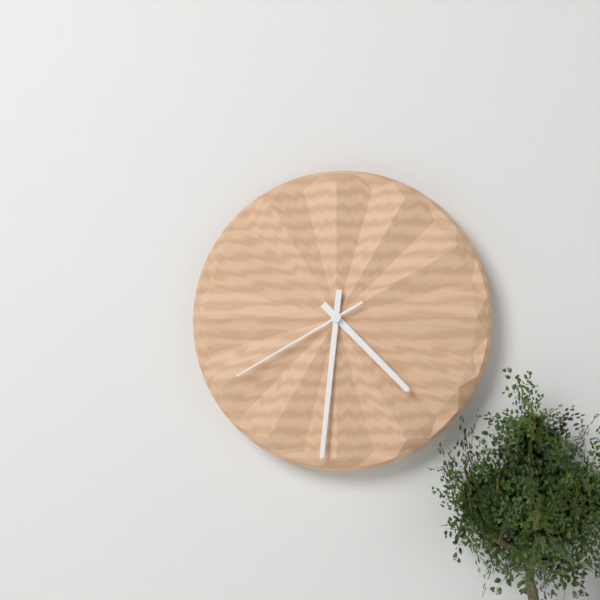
4:31:40
